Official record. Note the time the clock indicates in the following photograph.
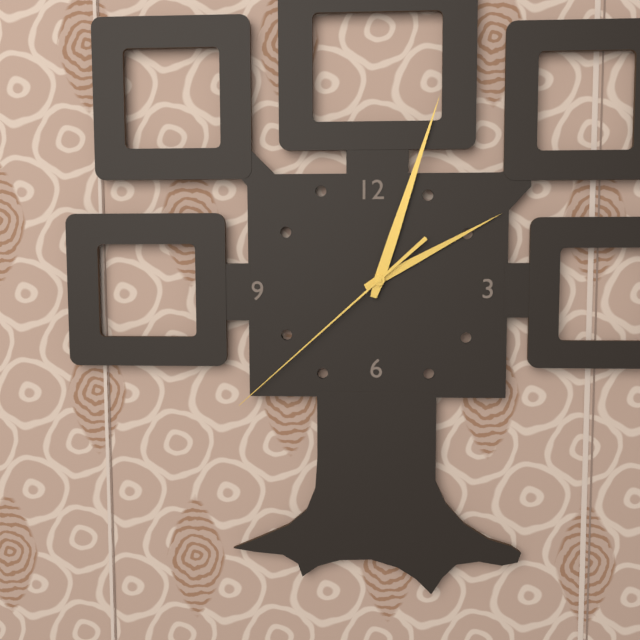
2:03:38
